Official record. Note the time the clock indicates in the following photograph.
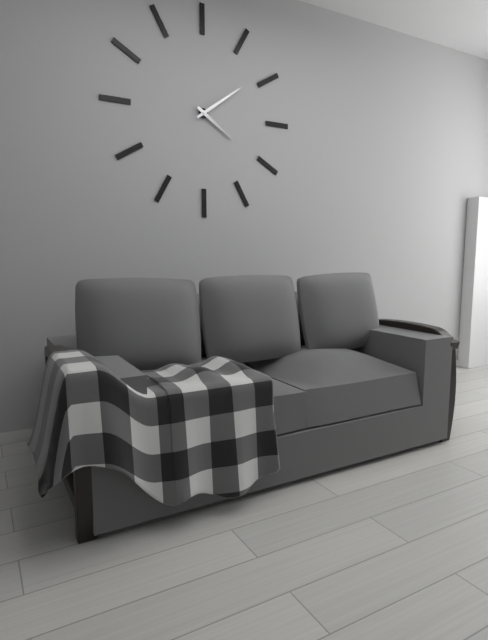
4:09
